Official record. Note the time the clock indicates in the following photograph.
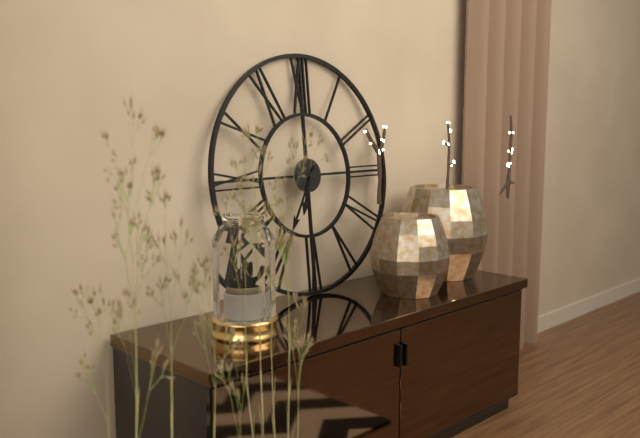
6:35
